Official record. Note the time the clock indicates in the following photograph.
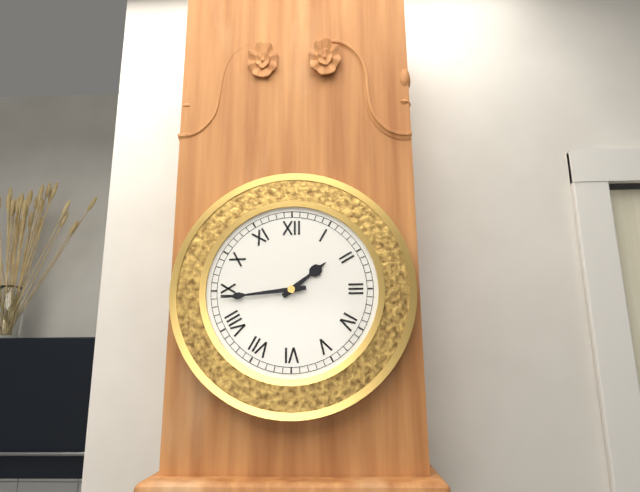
1:44
